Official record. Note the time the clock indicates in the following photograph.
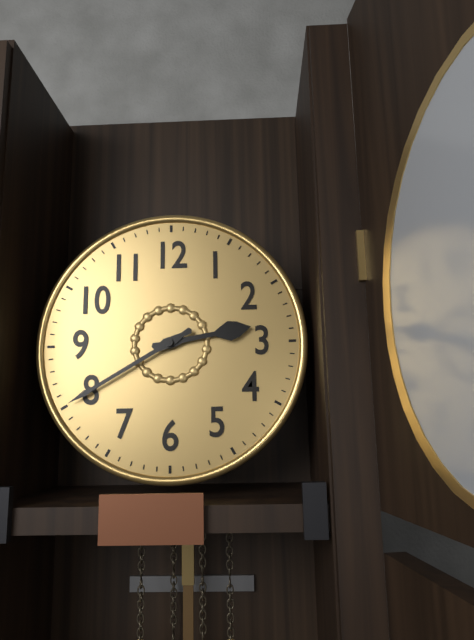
2:40
